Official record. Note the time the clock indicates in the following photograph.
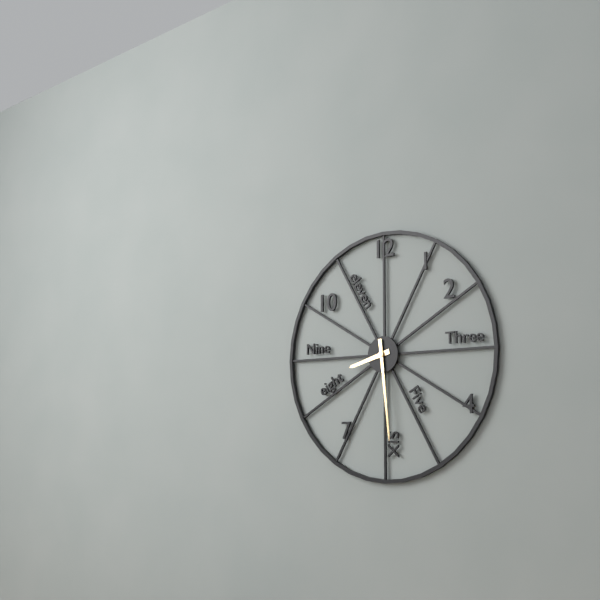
8:29
